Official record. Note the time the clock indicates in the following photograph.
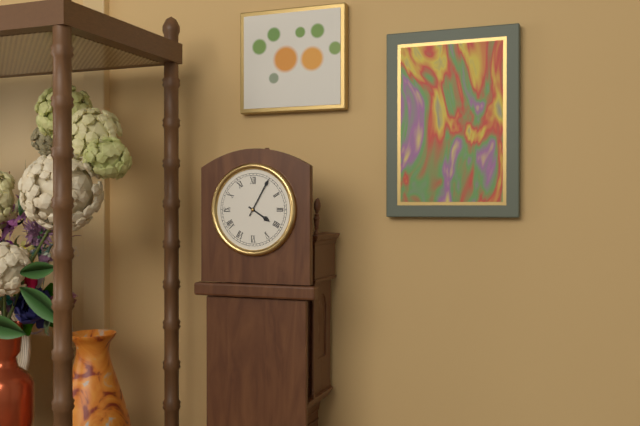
4:05
